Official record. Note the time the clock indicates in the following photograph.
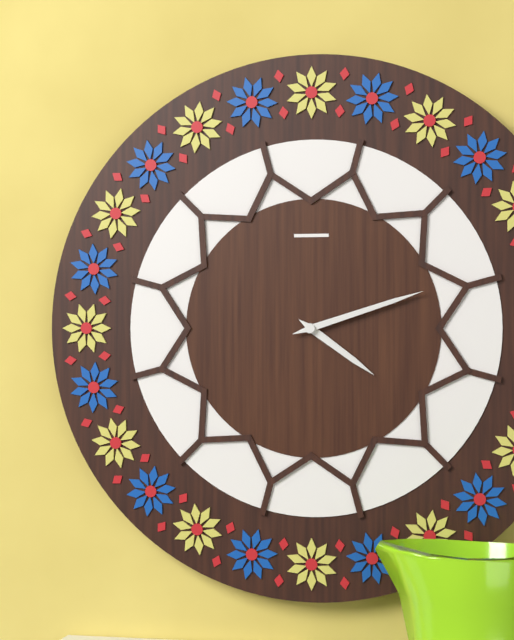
4:12
